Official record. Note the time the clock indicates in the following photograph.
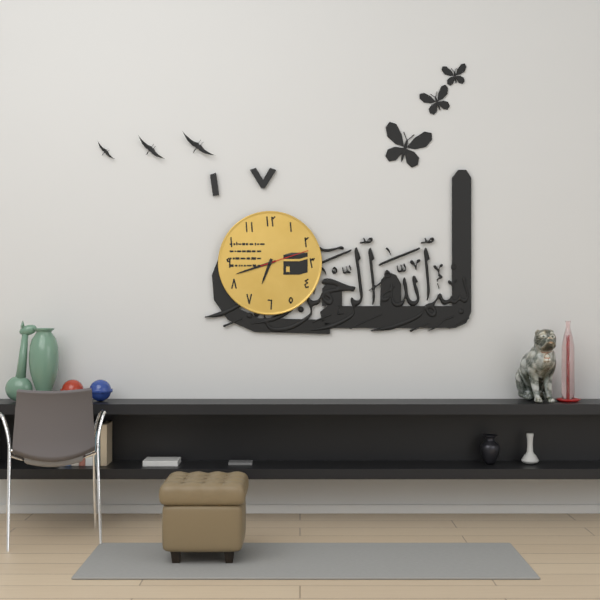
6:42:12
